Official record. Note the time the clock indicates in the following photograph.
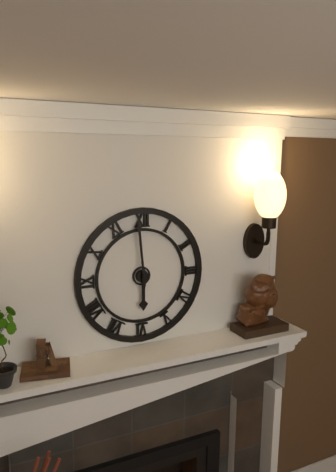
5:59
